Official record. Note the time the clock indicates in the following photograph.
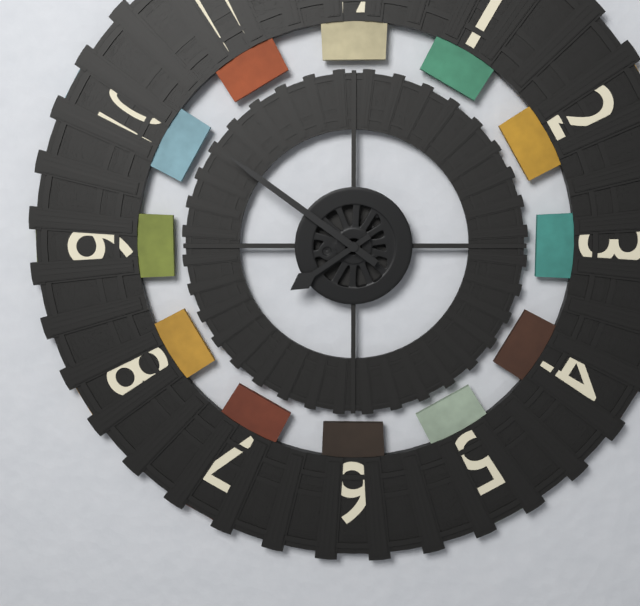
7:51
